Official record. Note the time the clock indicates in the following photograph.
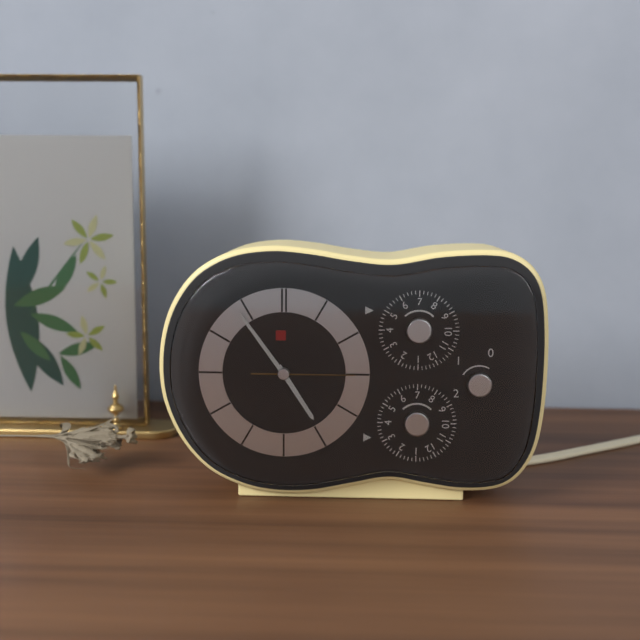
4:54:15
